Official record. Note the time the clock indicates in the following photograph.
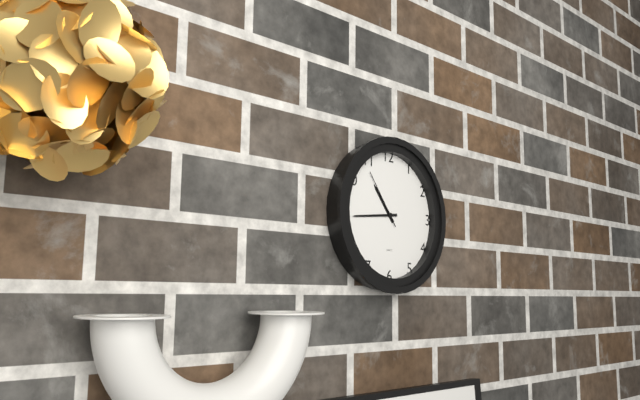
10:44:54
